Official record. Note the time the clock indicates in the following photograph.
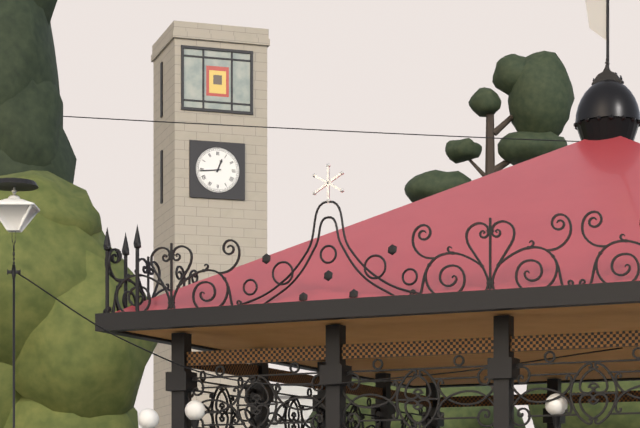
12:44
